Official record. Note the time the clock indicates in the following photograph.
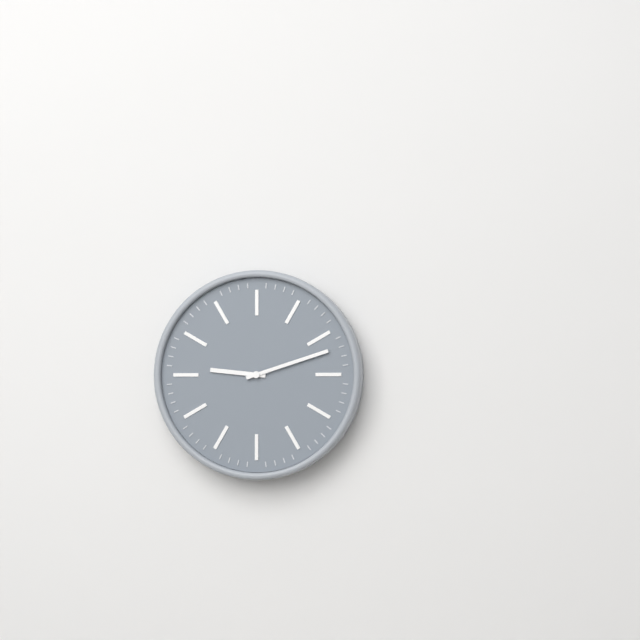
9:12
